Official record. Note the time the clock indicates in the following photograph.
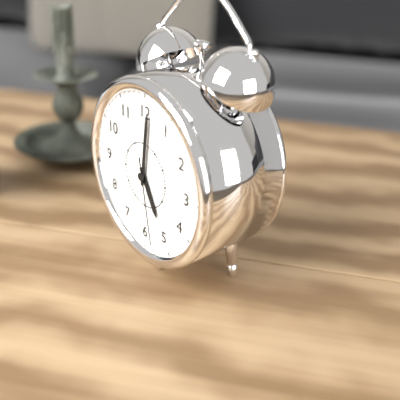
5:01:28
